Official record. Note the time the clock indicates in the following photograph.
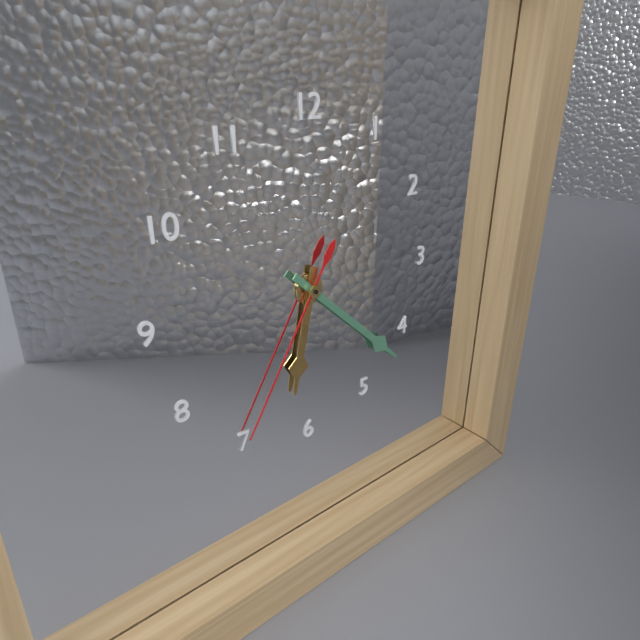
6:22:35
